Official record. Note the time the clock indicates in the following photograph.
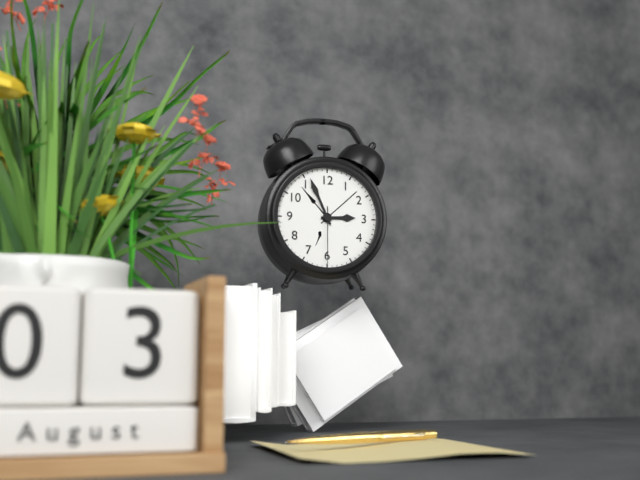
2:56:30
